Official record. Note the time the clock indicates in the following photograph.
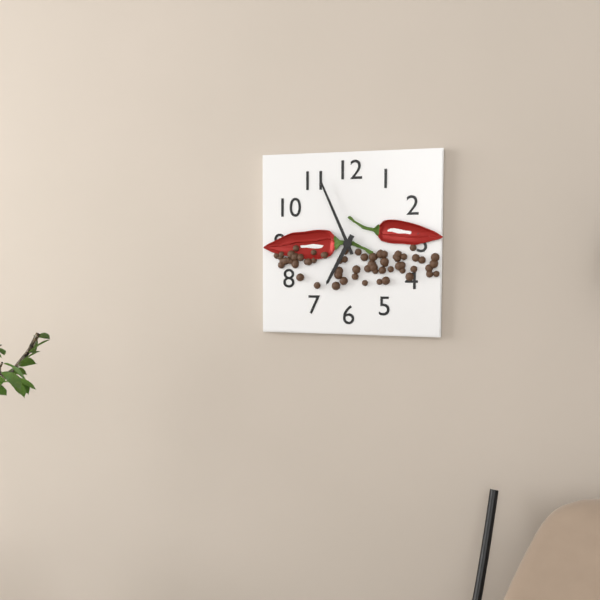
6:56
